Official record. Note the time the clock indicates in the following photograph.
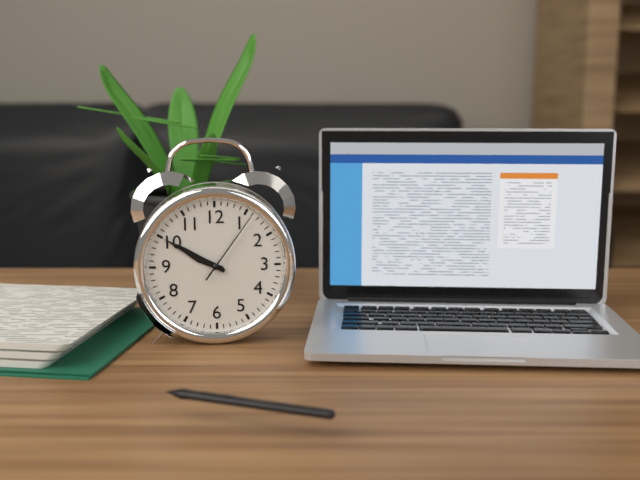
9:50:06
